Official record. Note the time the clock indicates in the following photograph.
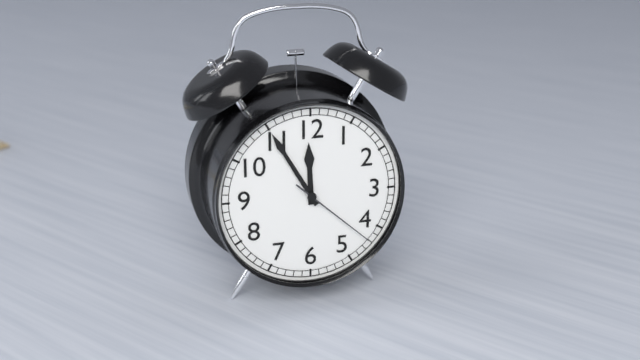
11:55:22
